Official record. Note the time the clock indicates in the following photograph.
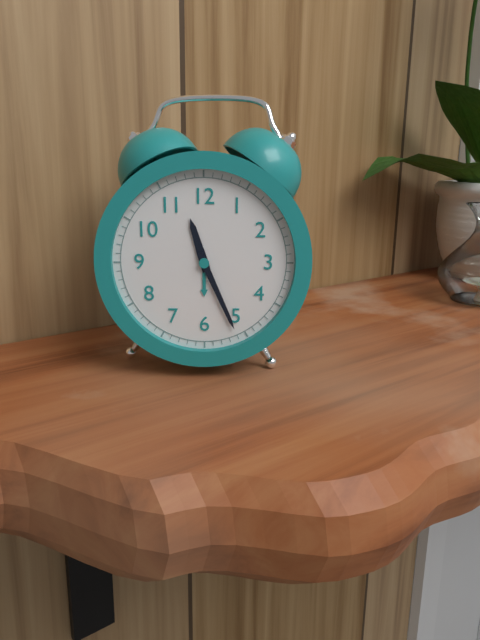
11:26
